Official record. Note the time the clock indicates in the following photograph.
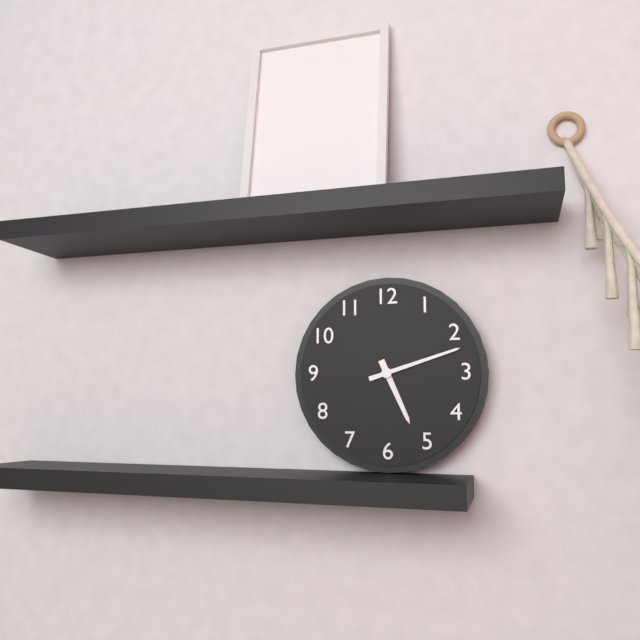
5:12
